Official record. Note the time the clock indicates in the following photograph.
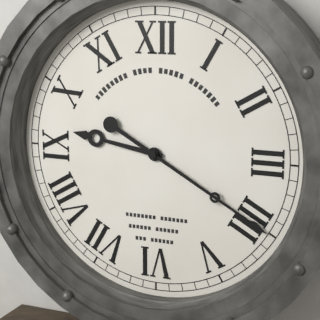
9:20
